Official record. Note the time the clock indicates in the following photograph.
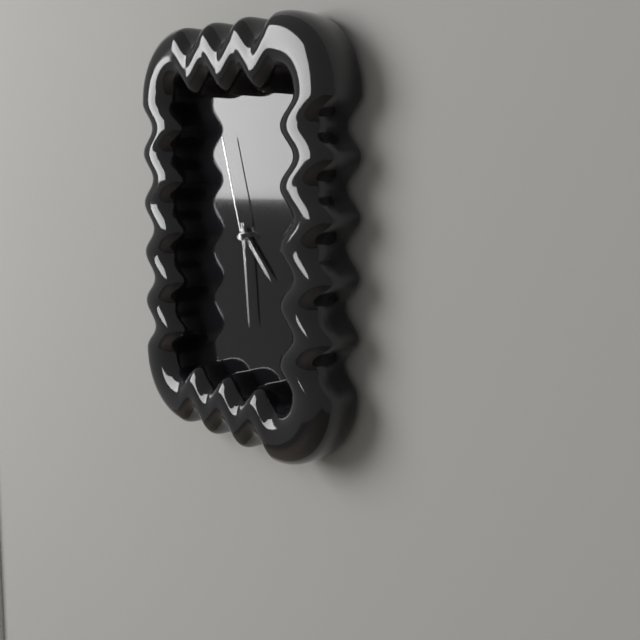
4:29:57
